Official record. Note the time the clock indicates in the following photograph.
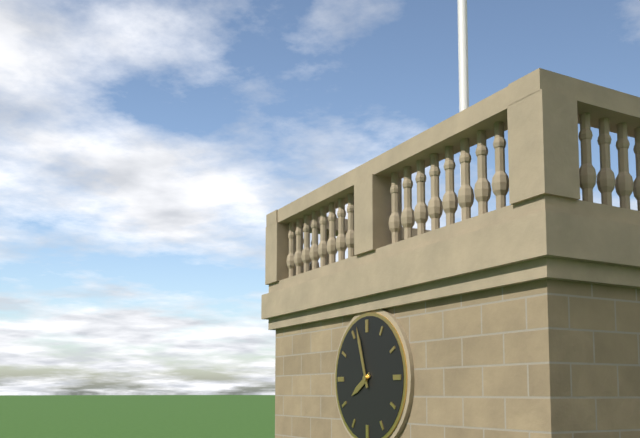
7:57
